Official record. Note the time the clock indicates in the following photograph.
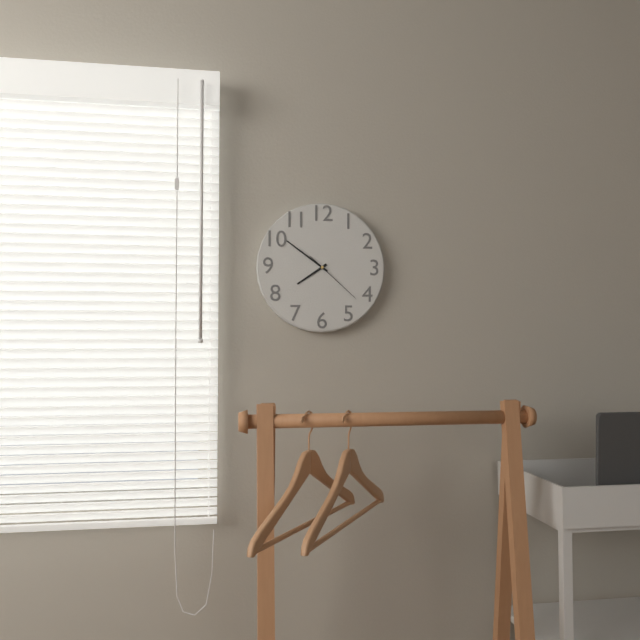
7:51:22
